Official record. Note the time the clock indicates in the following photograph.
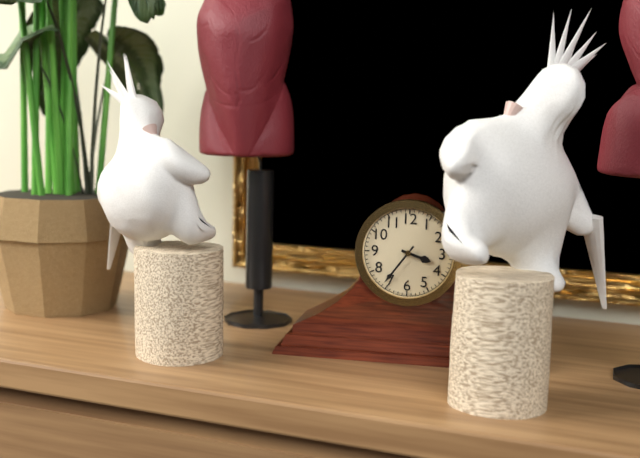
3:36
